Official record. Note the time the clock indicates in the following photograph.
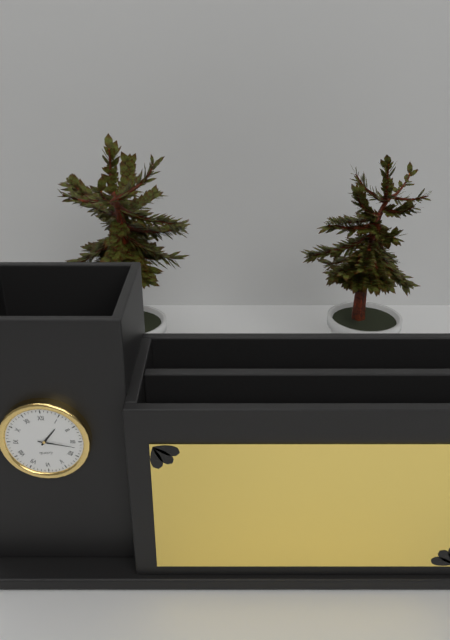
1:17
